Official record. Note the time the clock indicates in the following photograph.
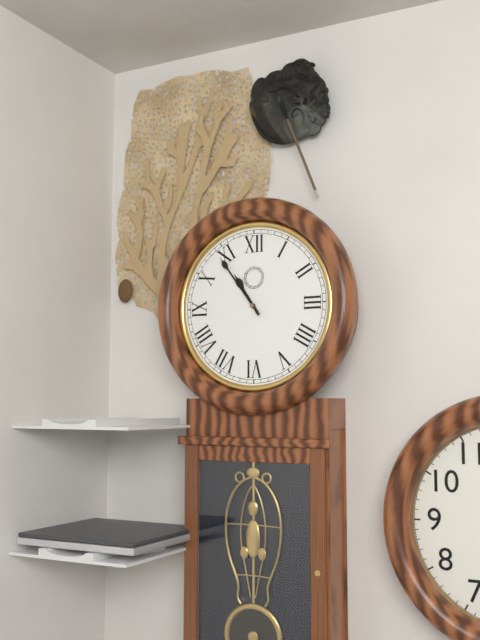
10:54
